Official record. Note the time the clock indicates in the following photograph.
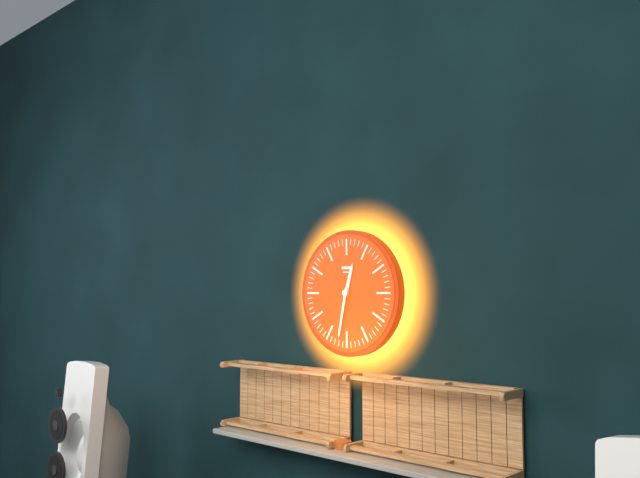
12:32
